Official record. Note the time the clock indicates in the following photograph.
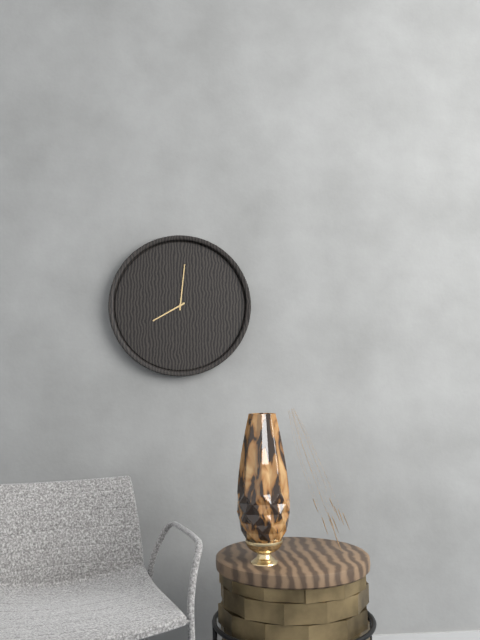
8:01
